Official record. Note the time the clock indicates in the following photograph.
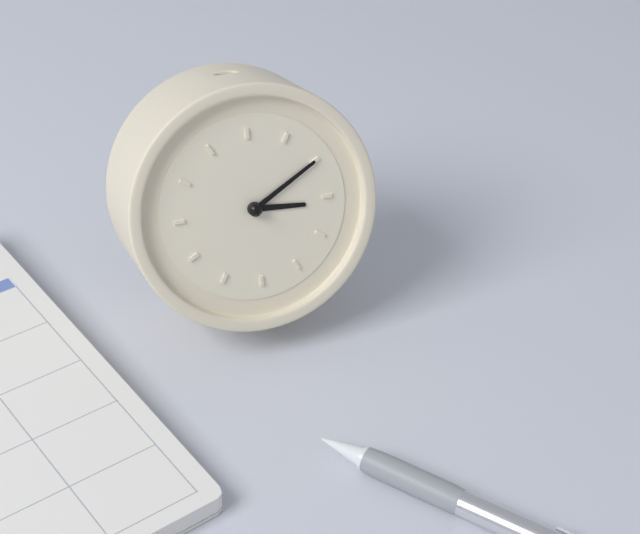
3:10
